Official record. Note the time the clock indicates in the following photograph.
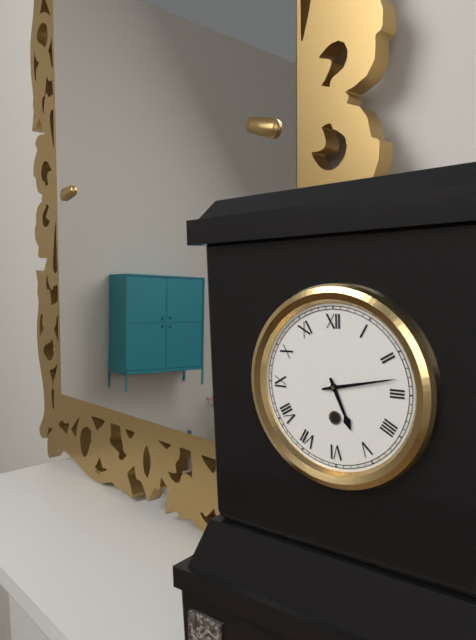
5:13
